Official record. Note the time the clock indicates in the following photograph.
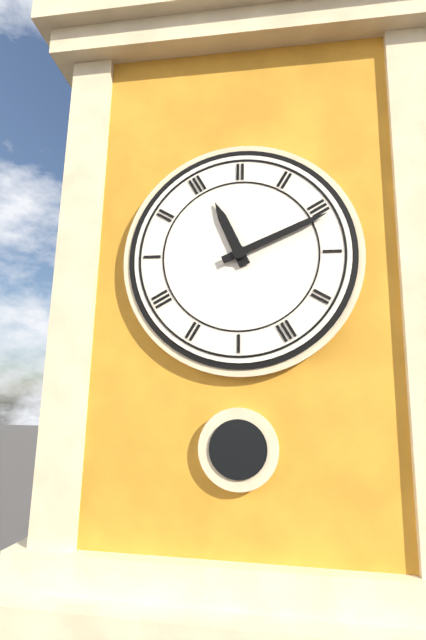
11:11
